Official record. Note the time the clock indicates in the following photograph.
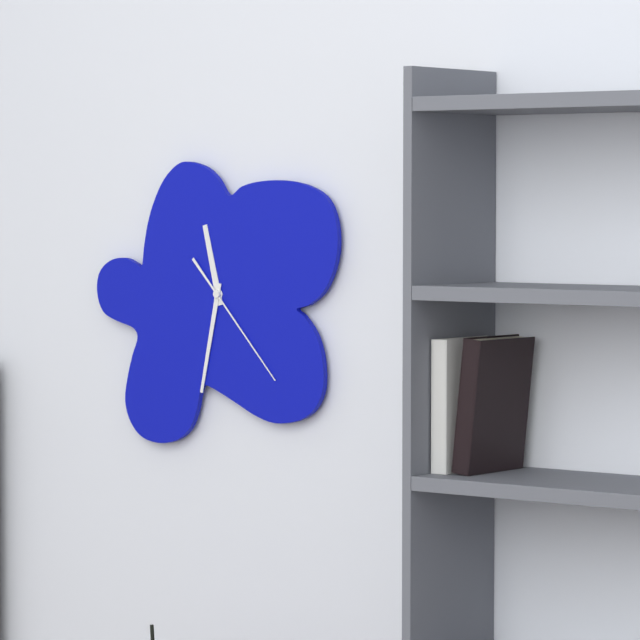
11:32:23
